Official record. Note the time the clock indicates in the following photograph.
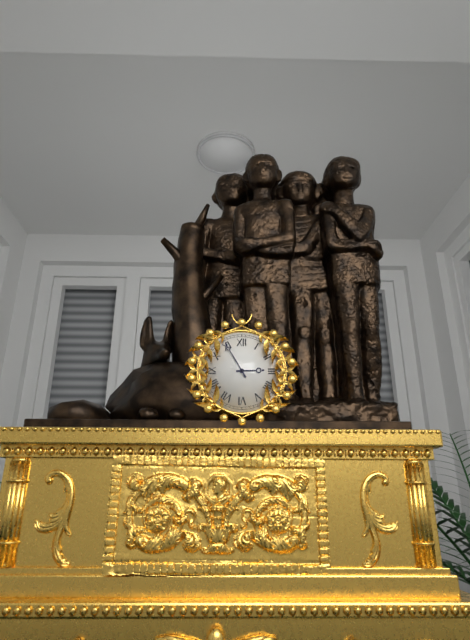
2:55
